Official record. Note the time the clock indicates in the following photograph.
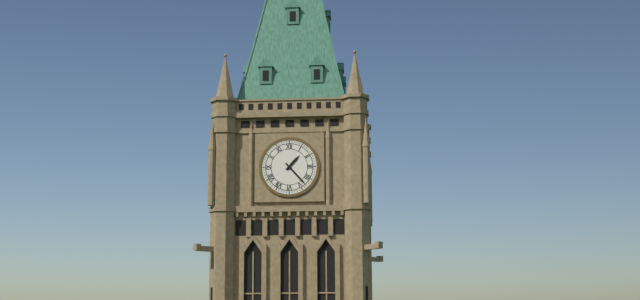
1:23
